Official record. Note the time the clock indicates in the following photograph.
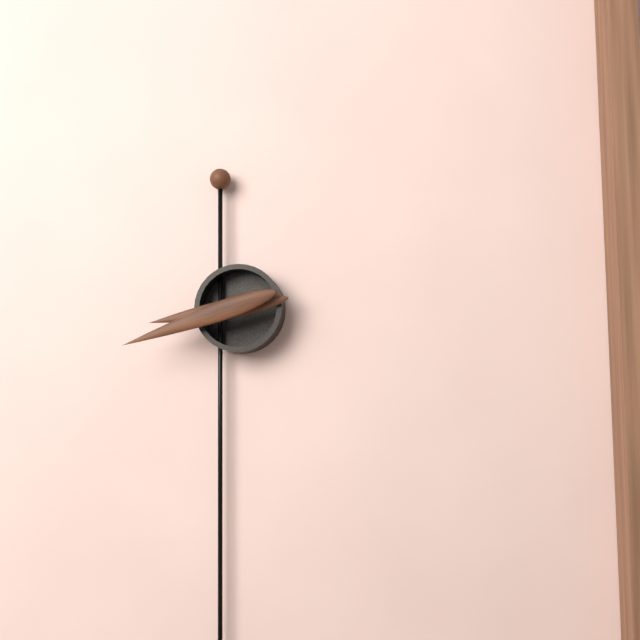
8:42
